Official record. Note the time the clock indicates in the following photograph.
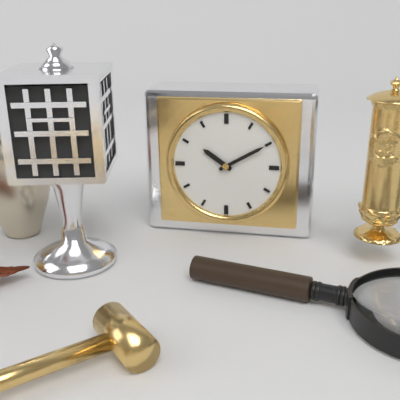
10:10
